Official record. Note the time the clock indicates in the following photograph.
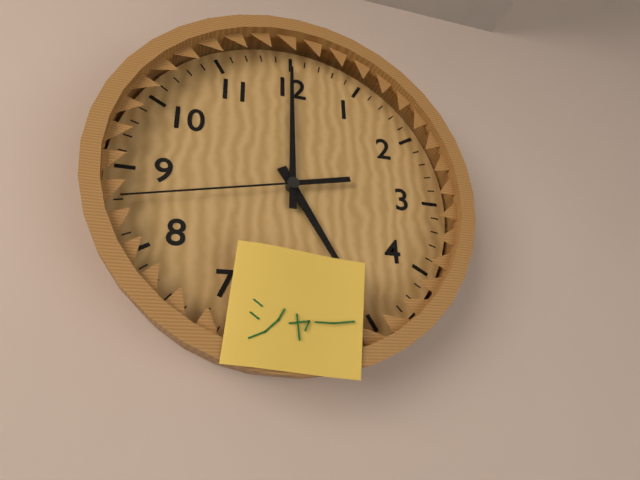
5:00:43
